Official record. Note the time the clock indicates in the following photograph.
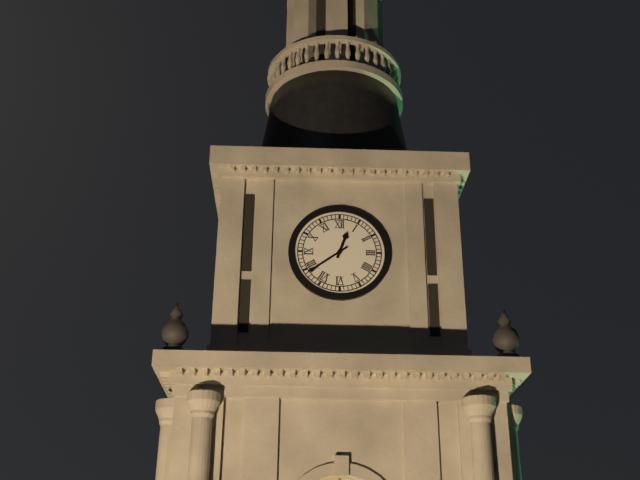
12:39
